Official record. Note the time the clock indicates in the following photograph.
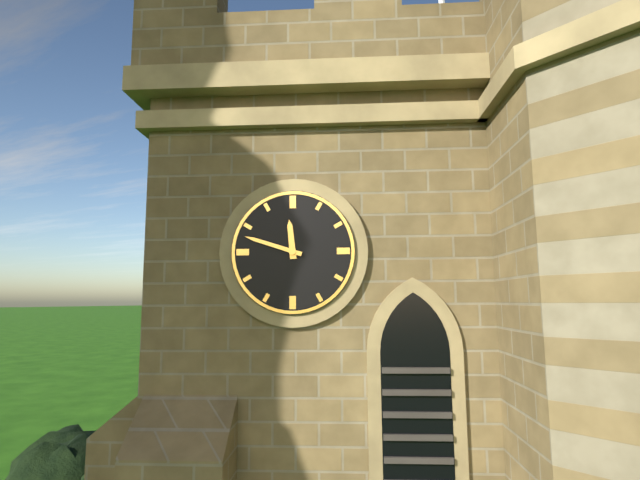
11:48
